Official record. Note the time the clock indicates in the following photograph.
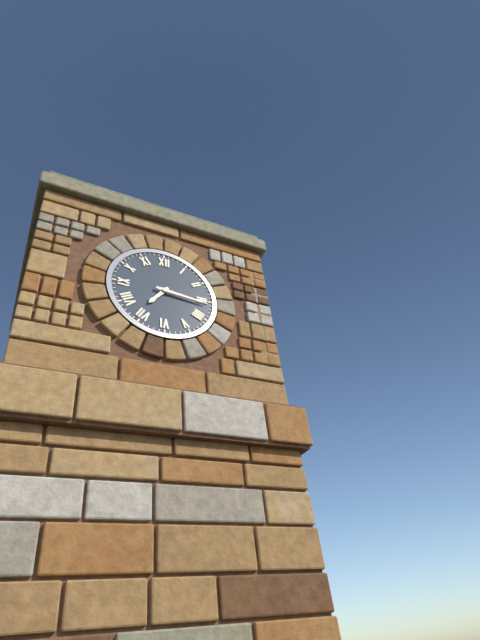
7:16
